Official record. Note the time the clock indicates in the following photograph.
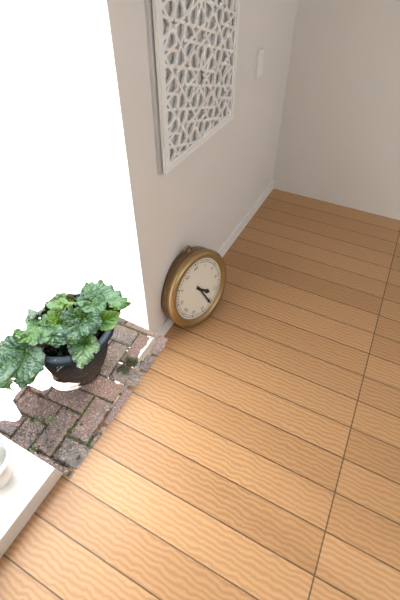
4:26
